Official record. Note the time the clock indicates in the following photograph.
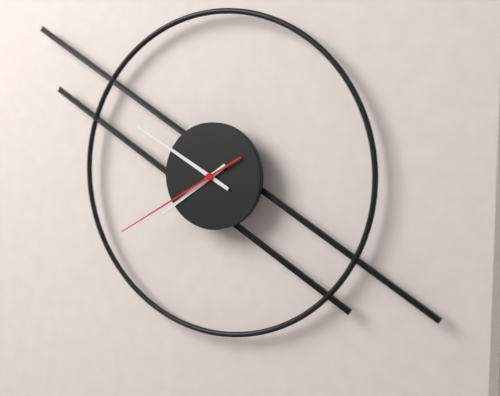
7:50:40
